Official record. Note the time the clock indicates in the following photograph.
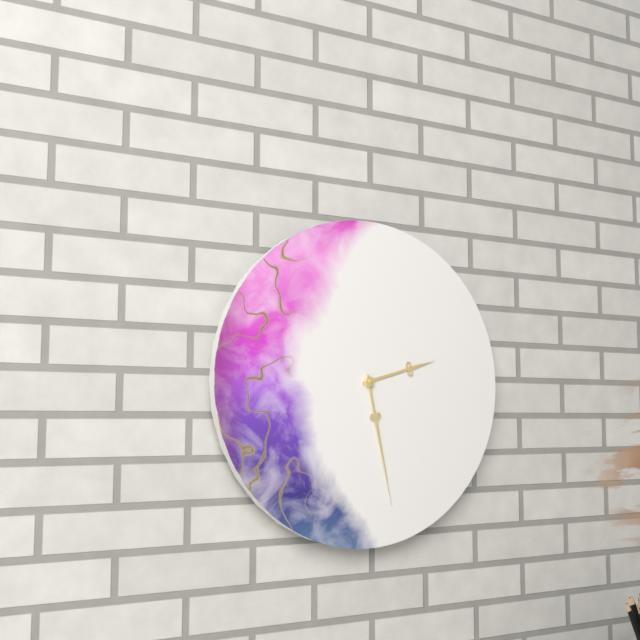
2:28
